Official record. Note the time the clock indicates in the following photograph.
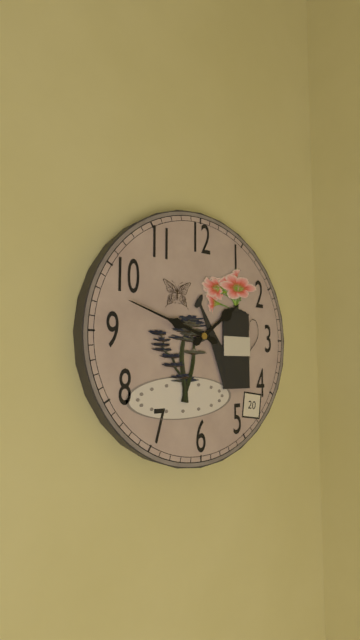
1:48
